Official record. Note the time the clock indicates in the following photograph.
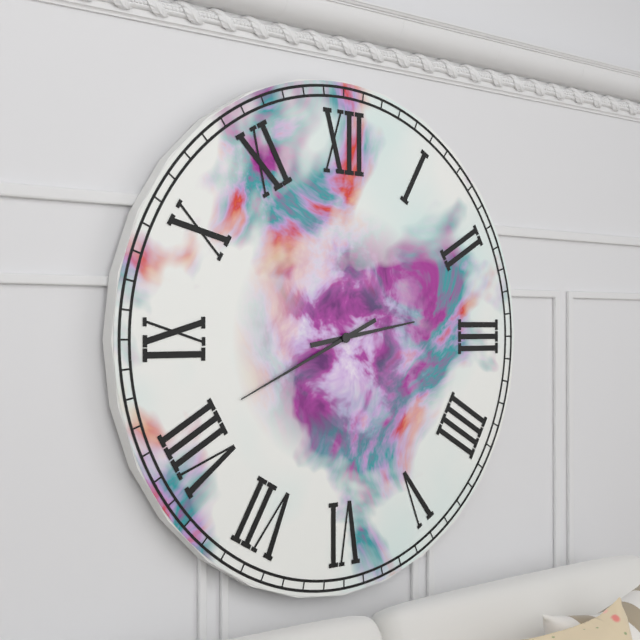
2:41
